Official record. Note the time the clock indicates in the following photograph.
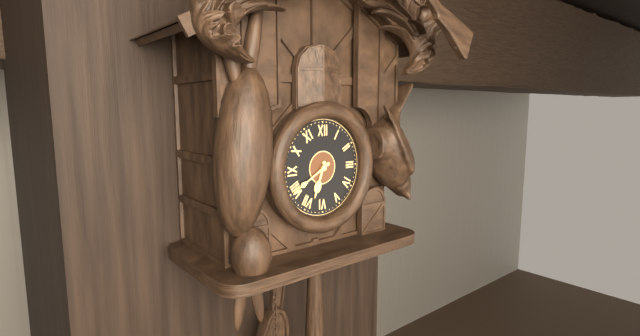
6:40
